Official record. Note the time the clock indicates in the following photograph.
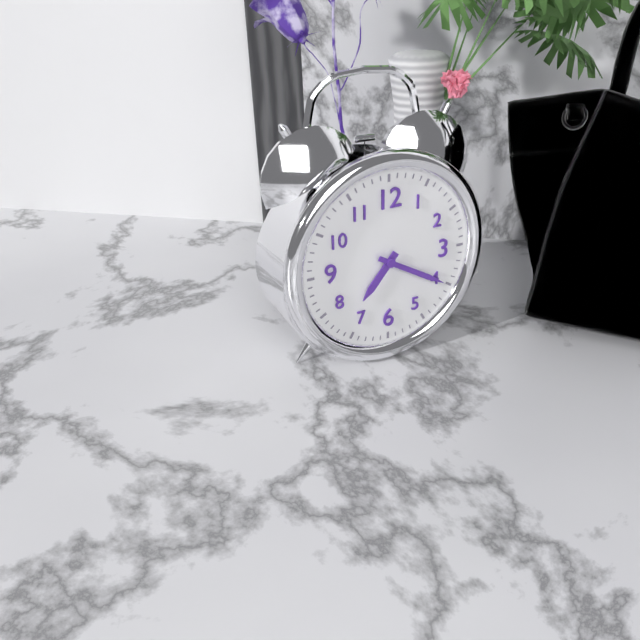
7:20
